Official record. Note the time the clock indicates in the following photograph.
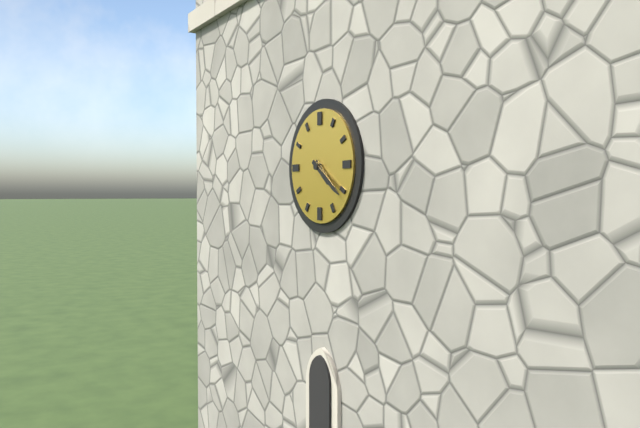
4:21
